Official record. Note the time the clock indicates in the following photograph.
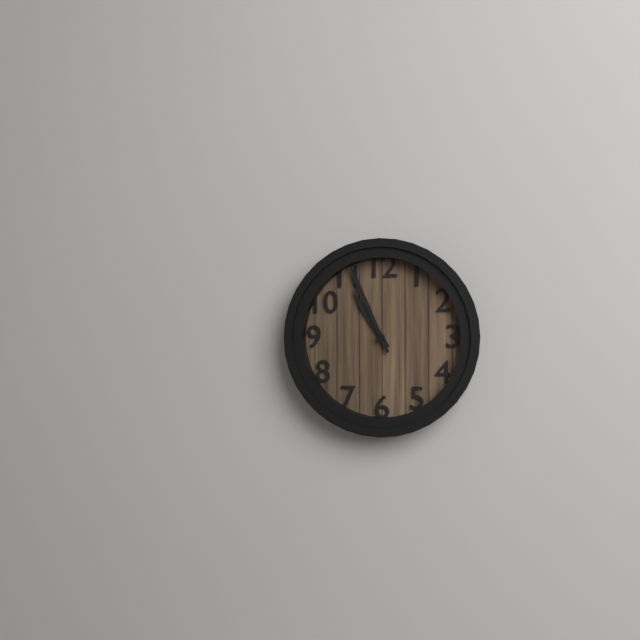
10:56
